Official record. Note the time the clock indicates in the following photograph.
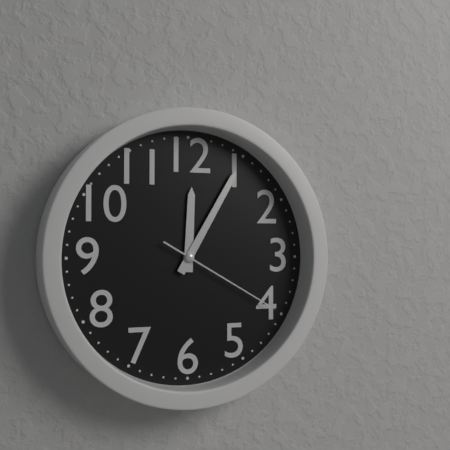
12:05:20
